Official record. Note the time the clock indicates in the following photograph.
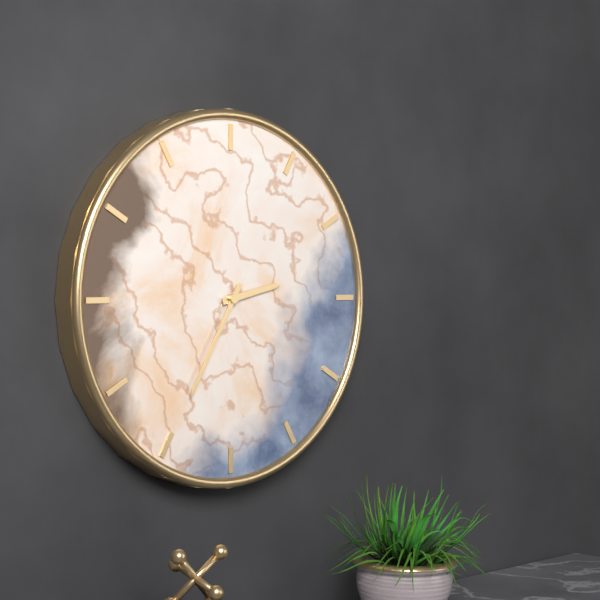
2:35
